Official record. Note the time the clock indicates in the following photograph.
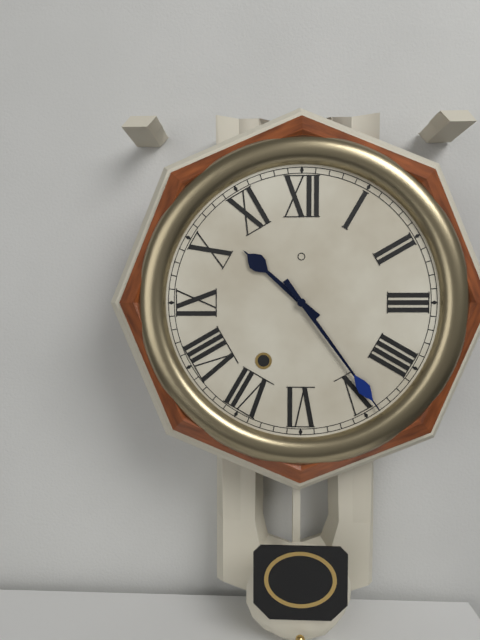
10:24
